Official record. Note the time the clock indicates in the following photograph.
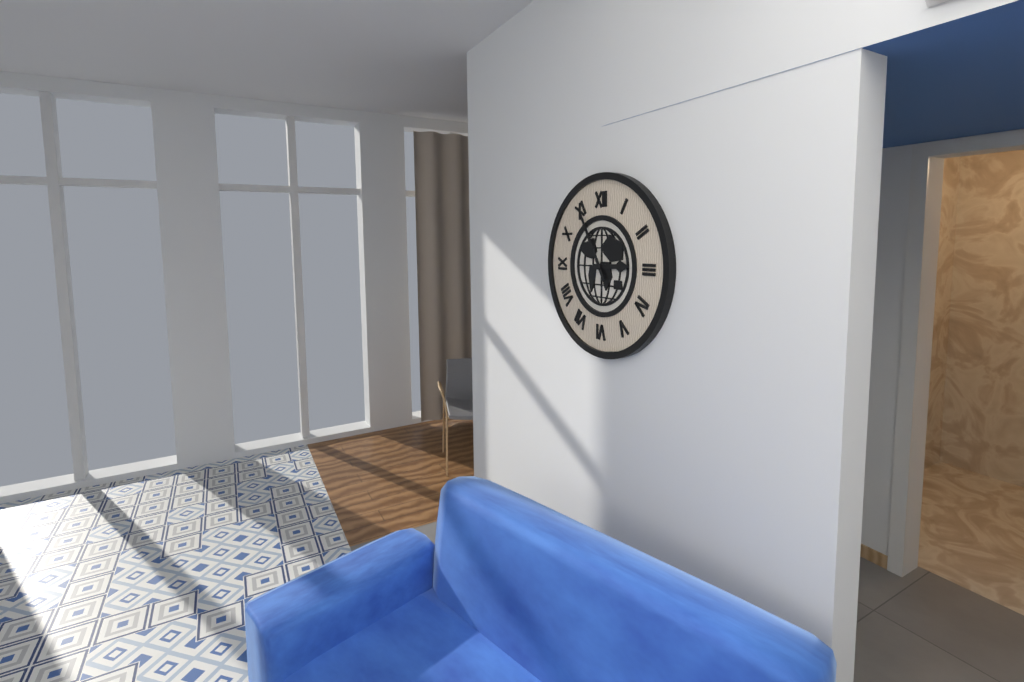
2:55
